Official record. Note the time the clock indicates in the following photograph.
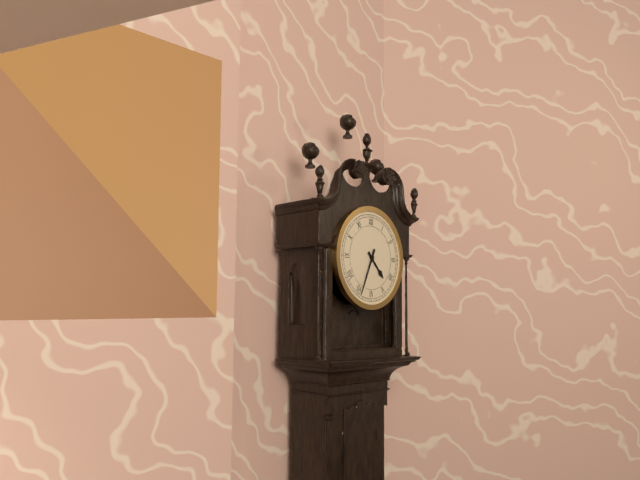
4:34
